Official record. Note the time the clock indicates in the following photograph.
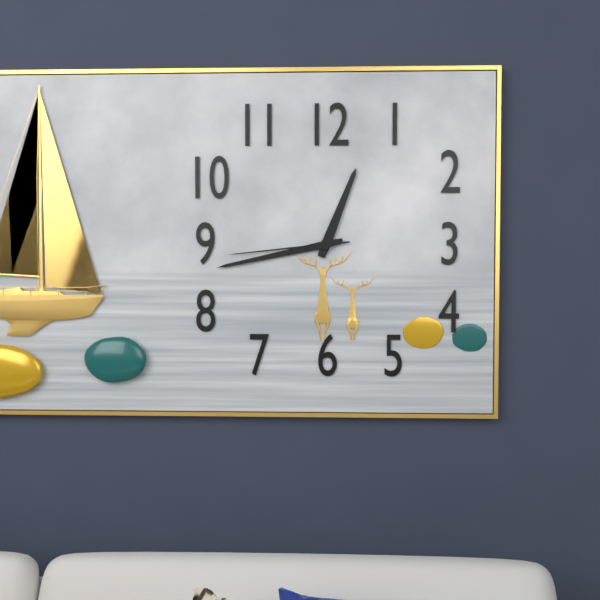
12:43:44
